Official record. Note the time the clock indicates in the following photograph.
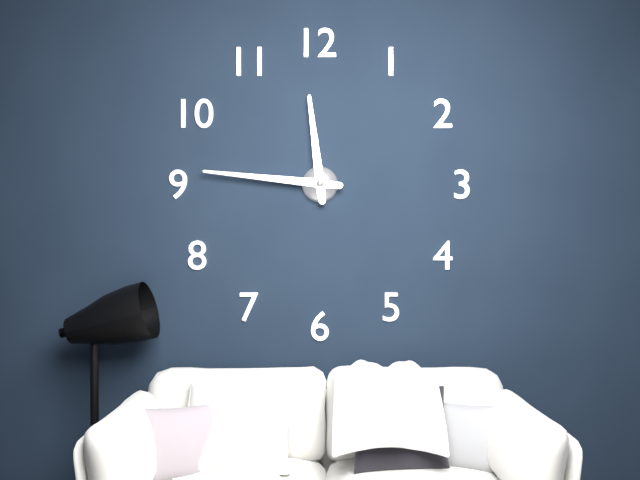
11:46
